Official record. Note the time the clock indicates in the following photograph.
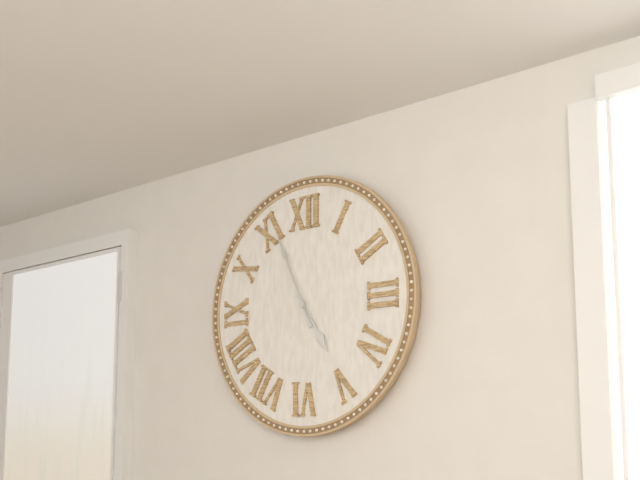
4:56
